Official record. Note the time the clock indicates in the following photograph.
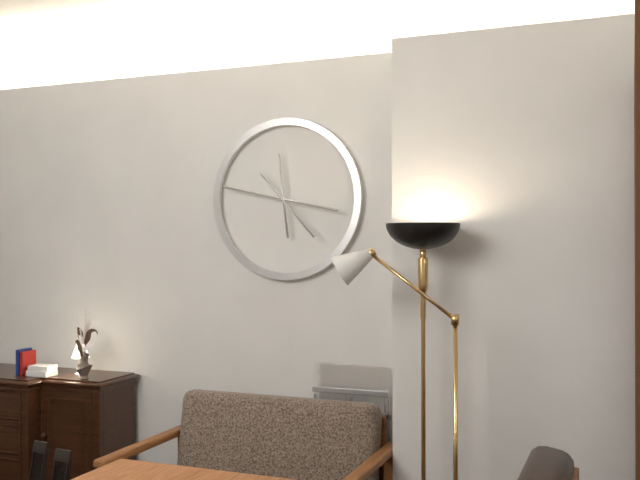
11:47:23
